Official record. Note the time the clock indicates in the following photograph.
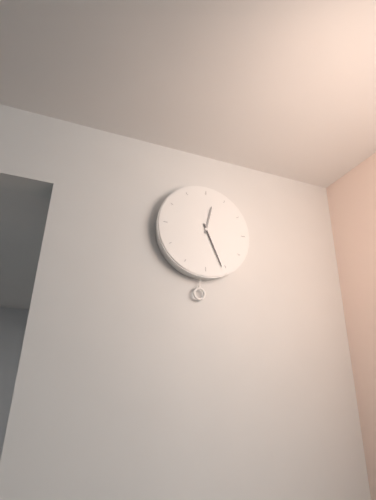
12:26
